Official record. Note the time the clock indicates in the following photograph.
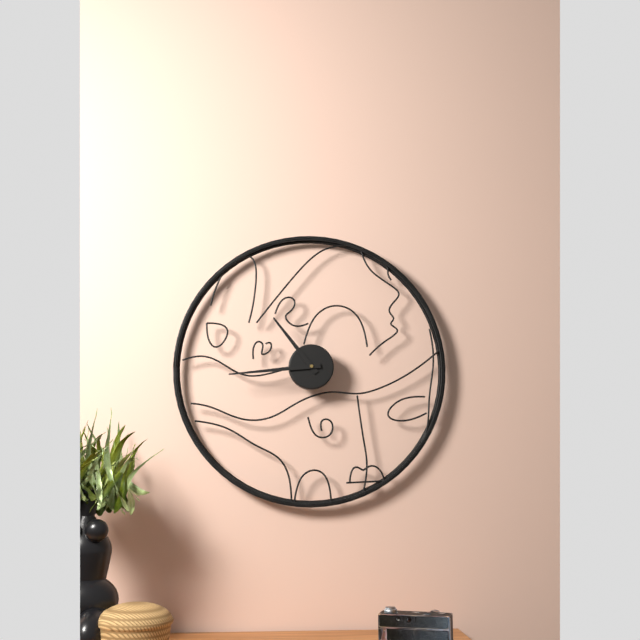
10:44
